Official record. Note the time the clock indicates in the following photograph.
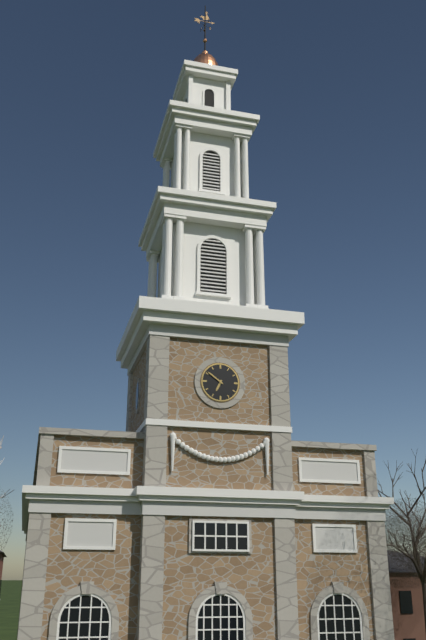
6:51
